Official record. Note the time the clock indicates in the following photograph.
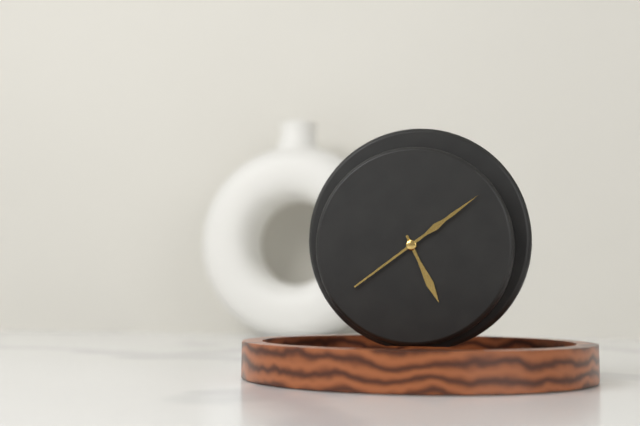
5:09
